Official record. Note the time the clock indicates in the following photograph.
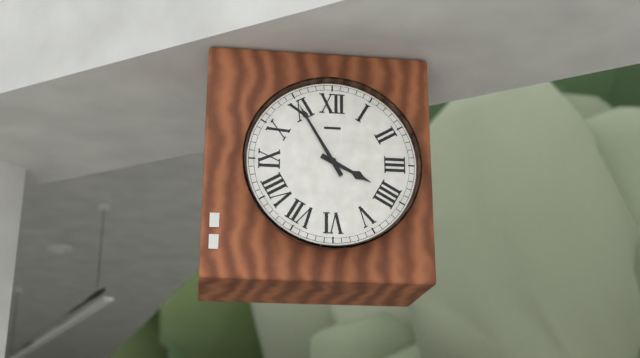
3:55
